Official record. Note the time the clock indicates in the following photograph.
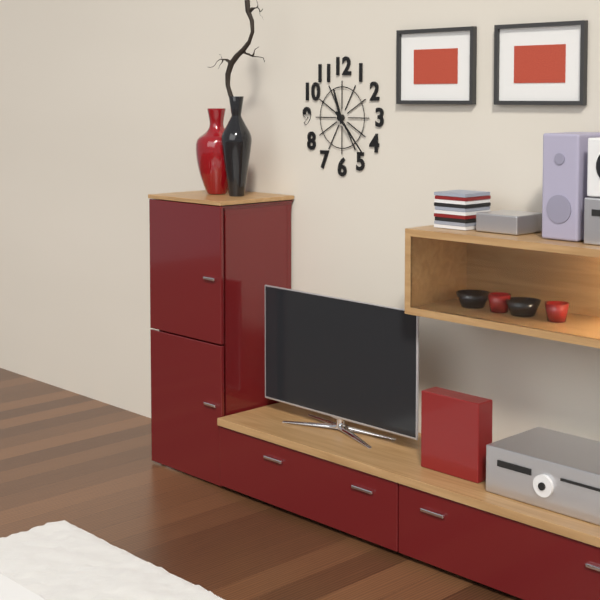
11:23
